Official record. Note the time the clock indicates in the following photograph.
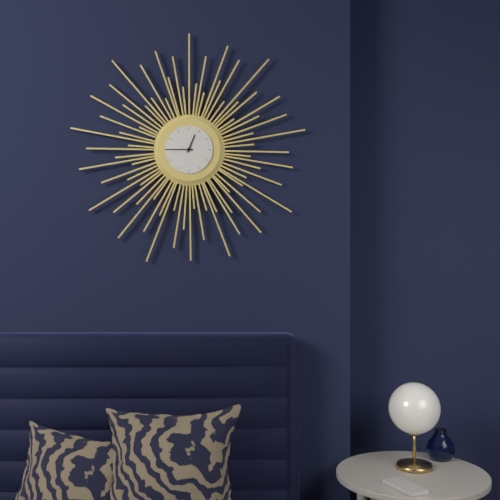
12:45
